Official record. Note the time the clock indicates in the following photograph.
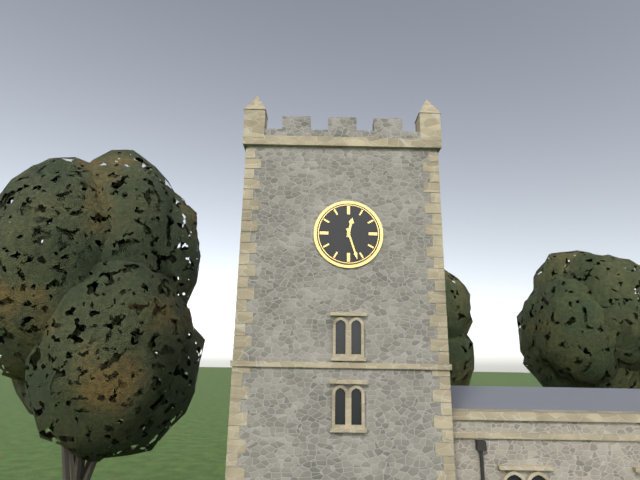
12:27
